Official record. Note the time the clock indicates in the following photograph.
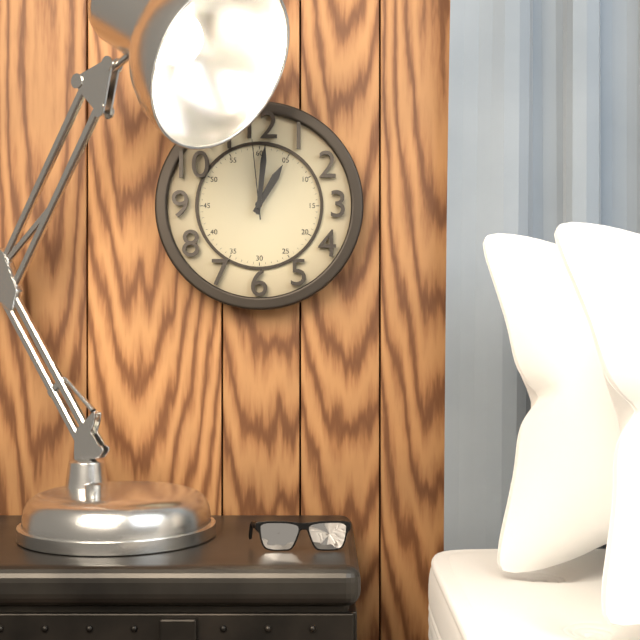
1:01:59
